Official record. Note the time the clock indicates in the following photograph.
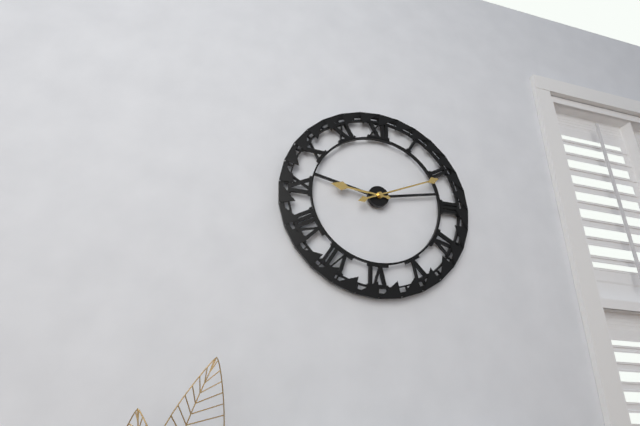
9:11
